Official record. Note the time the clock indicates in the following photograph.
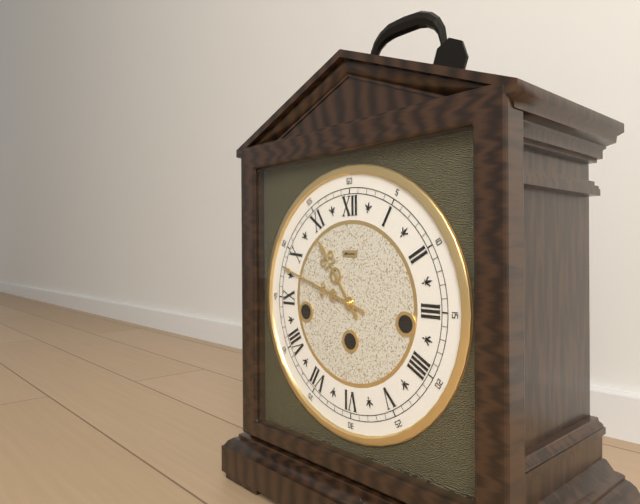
10:48
